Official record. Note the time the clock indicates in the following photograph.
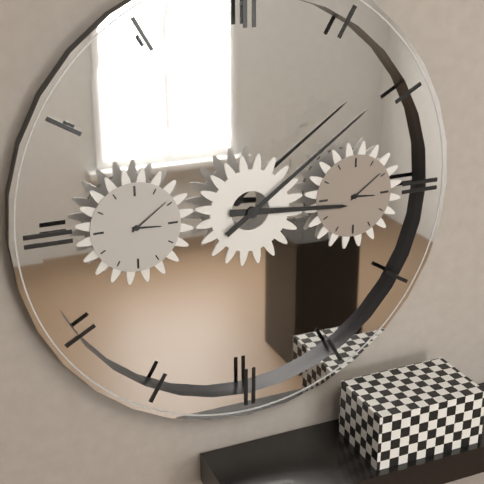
3:09
